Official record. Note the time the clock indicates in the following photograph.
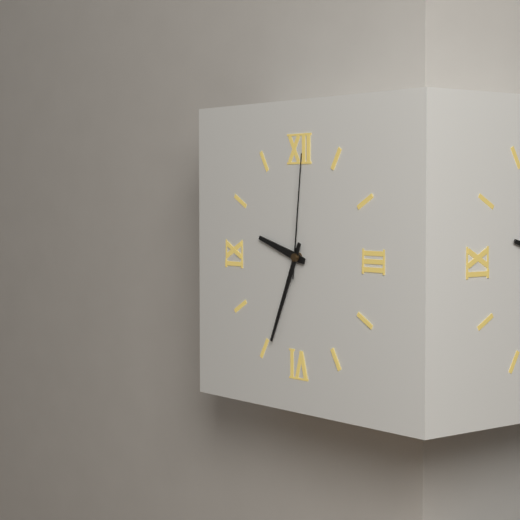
9:34:01
